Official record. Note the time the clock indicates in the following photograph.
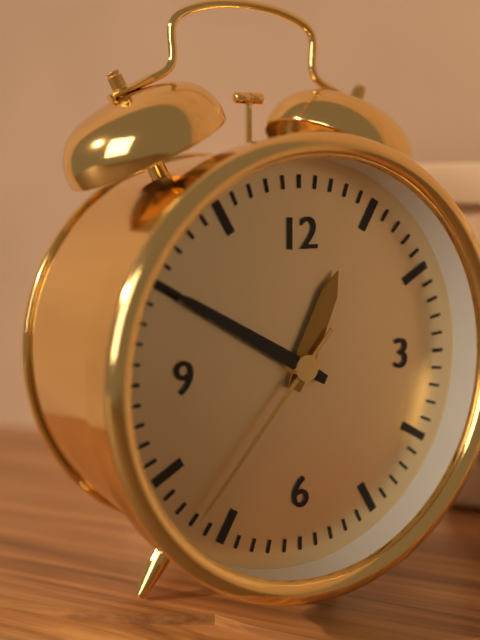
12:50:37
